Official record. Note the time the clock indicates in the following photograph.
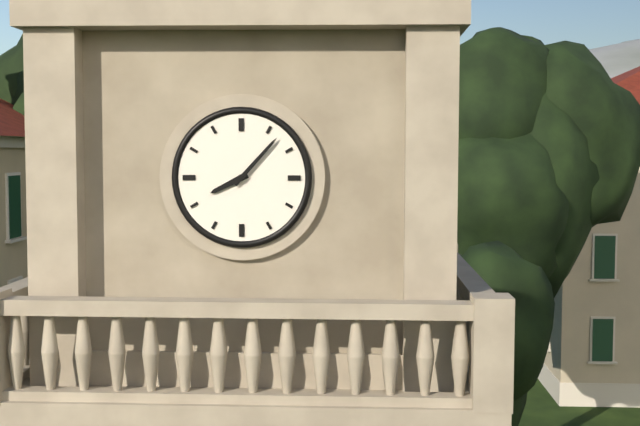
8:07
